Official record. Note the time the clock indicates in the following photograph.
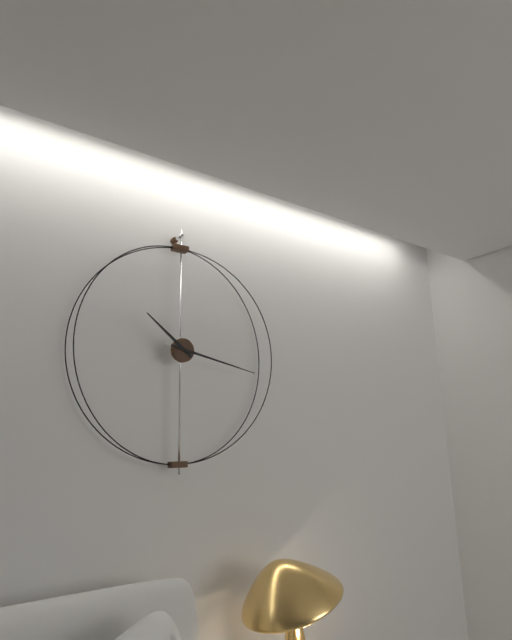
10:17
